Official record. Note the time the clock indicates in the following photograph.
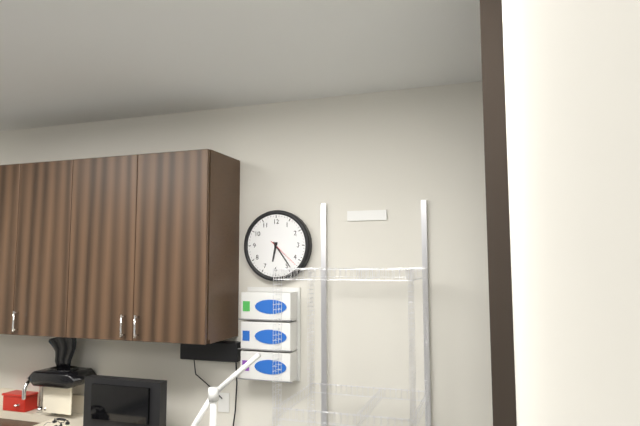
6:24
